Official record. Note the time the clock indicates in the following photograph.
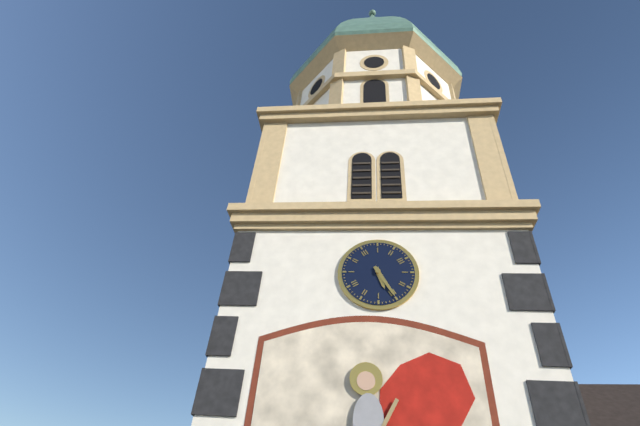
5:25
